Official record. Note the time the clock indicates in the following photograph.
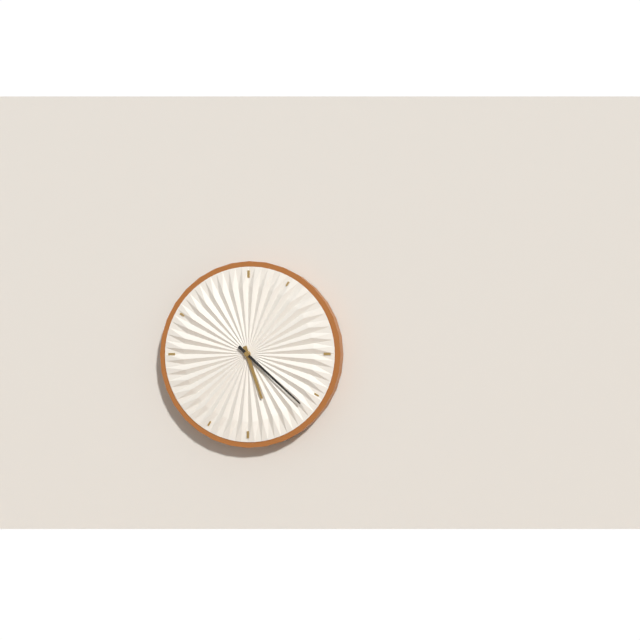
5:22
